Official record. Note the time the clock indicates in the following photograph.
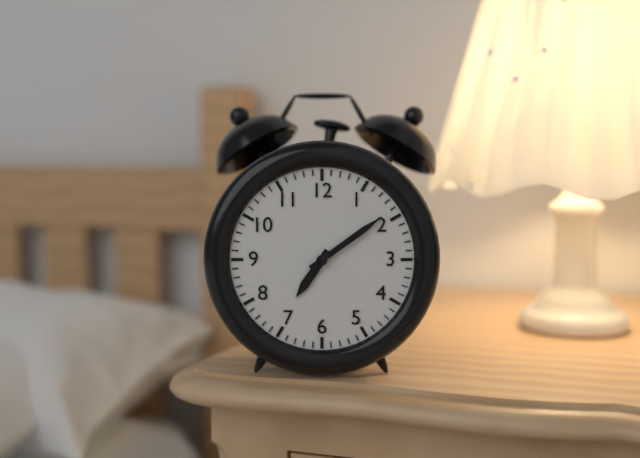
7:09
